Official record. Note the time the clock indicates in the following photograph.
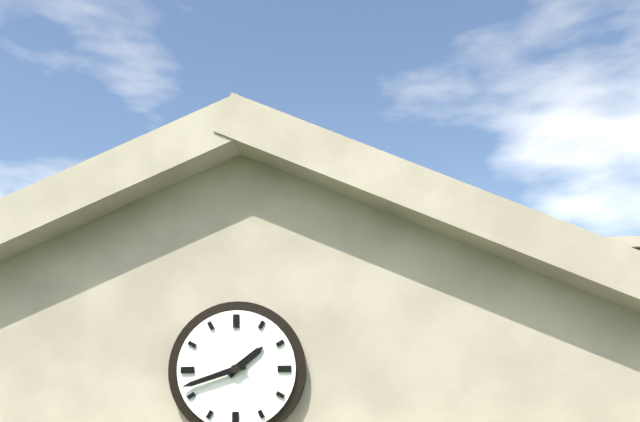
1:42
